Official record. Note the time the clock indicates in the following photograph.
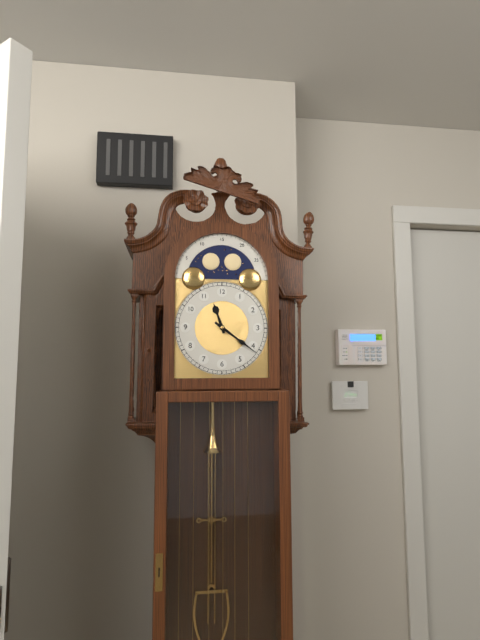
11:21
